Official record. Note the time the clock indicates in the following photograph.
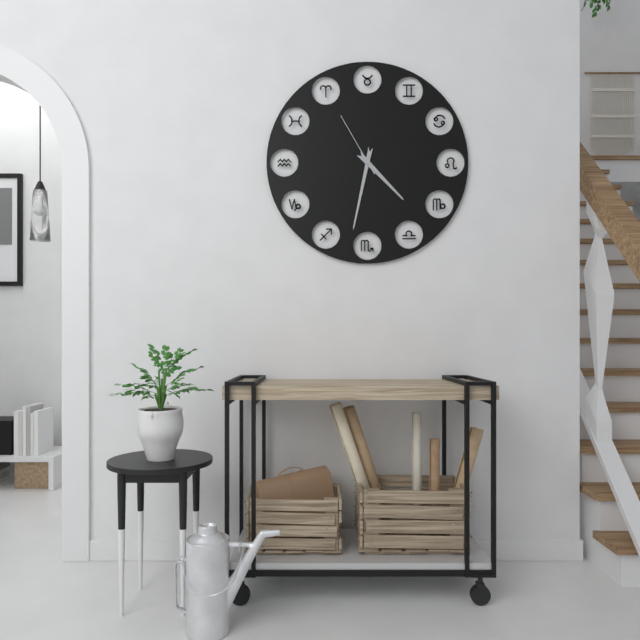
4:32:55
